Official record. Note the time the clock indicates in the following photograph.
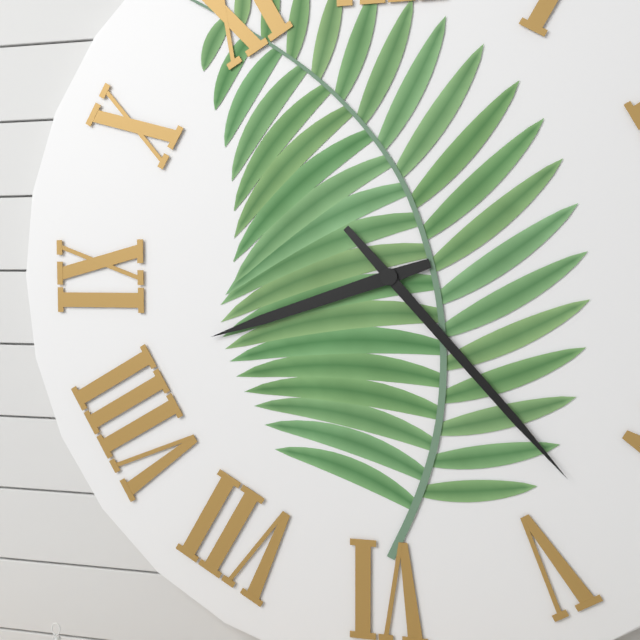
8:23
